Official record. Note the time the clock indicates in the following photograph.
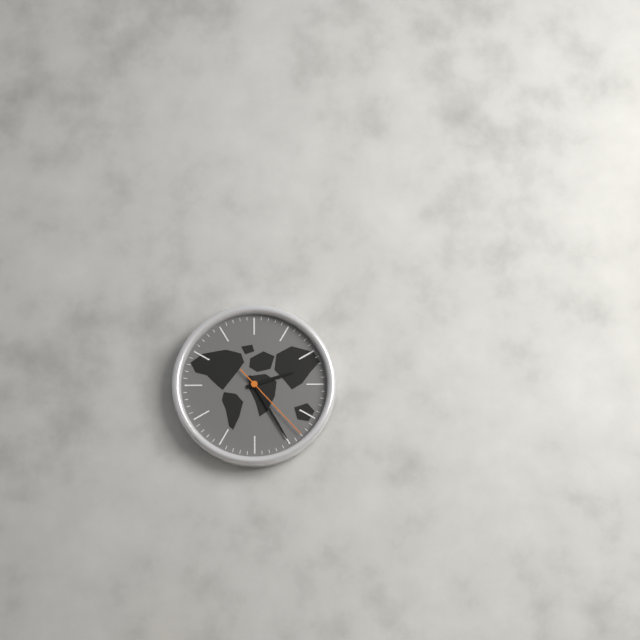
2:25:23
